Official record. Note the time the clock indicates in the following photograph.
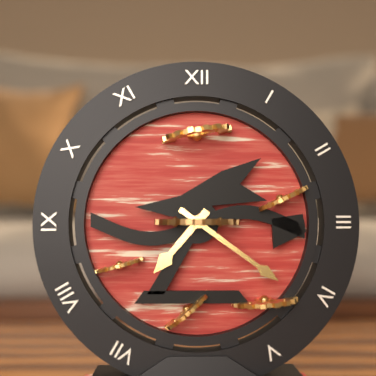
7:21
